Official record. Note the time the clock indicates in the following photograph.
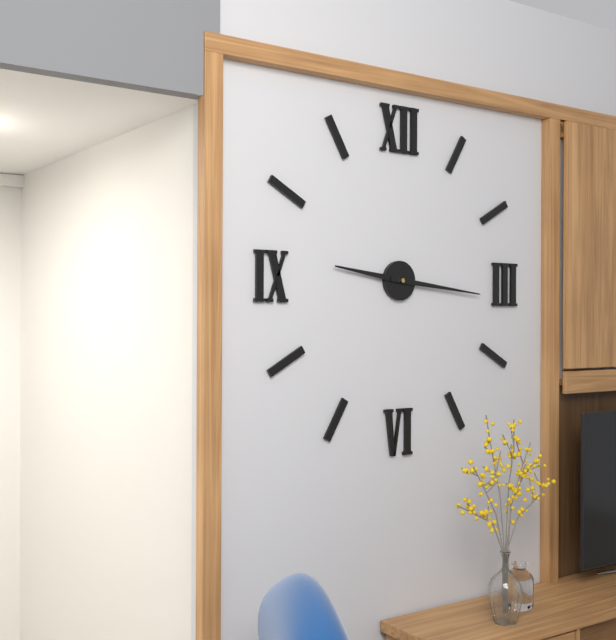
9:16
